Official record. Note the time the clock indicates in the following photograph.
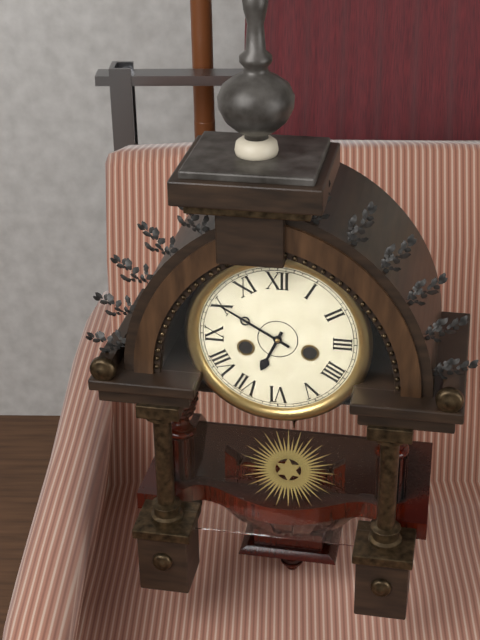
6:50
